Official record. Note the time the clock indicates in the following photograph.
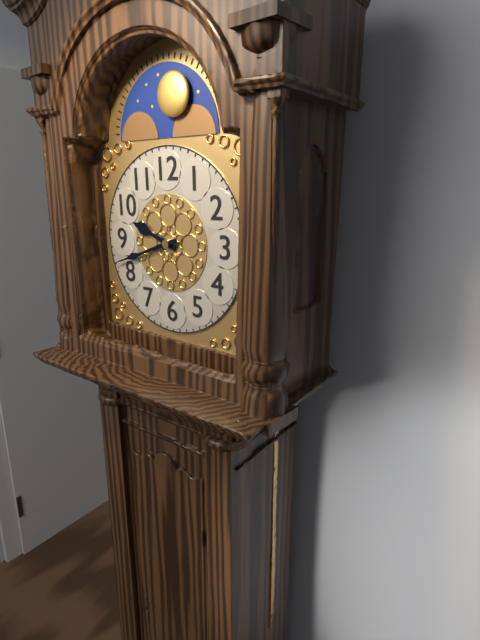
9:42
